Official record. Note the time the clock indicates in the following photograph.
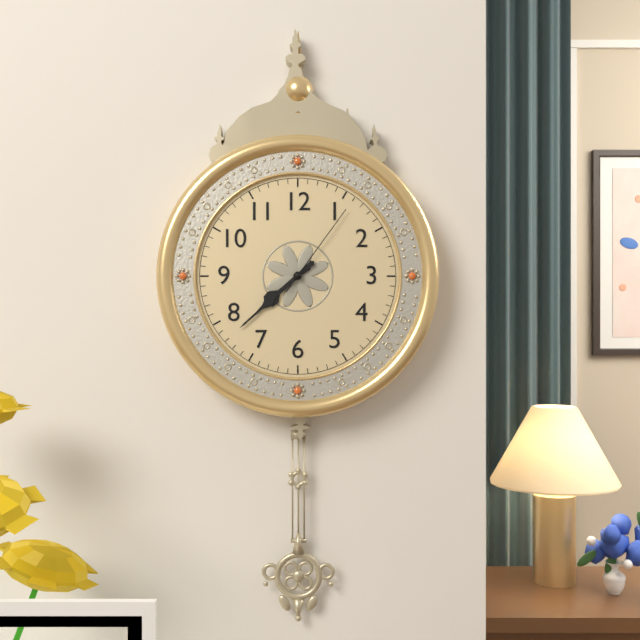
7:38:06
